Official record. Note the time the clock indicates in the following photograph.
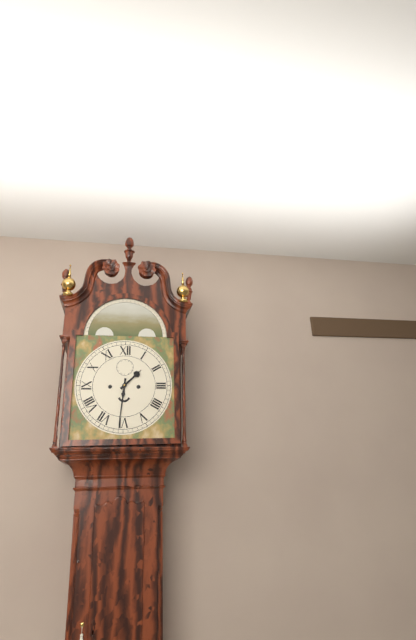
1:31
